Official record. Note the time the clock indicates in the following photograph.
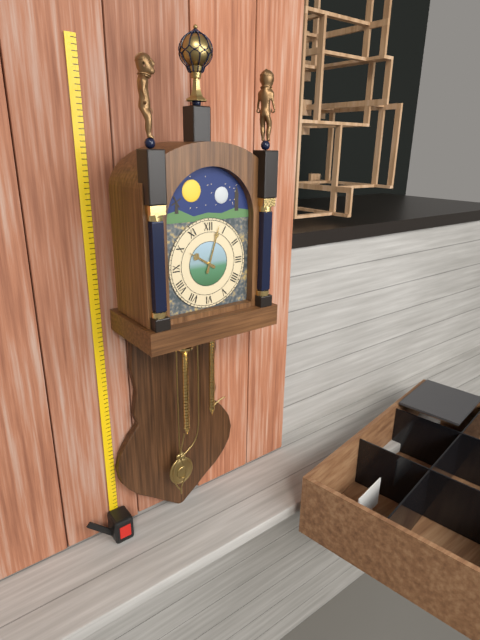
10:03
